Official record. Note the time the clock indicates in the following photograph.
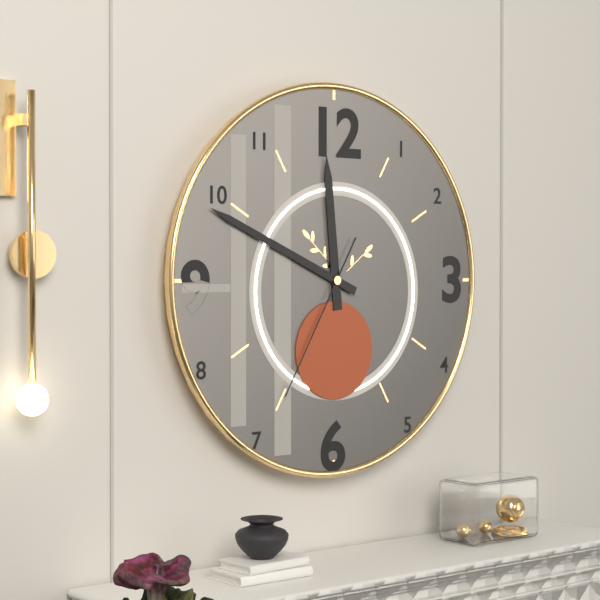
11:49:35
